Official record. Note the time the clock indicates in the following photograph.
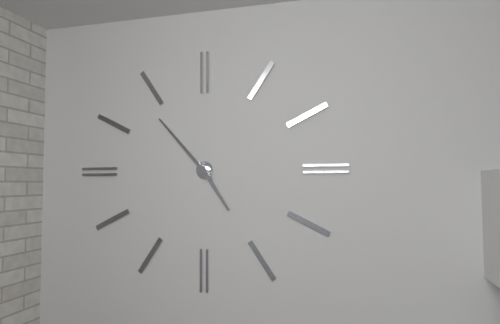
4:53
